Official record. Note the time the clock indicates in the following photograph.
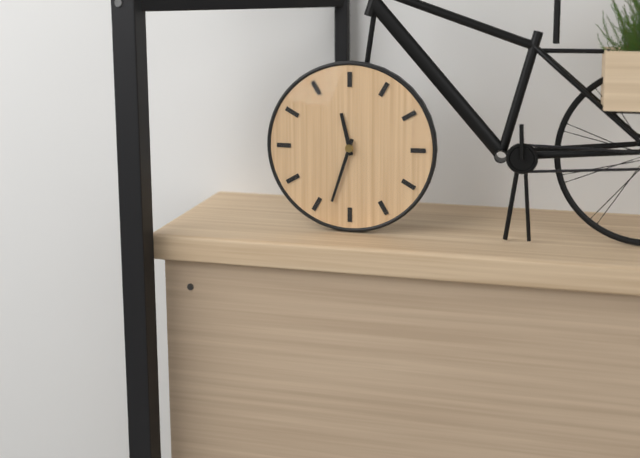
11:33
